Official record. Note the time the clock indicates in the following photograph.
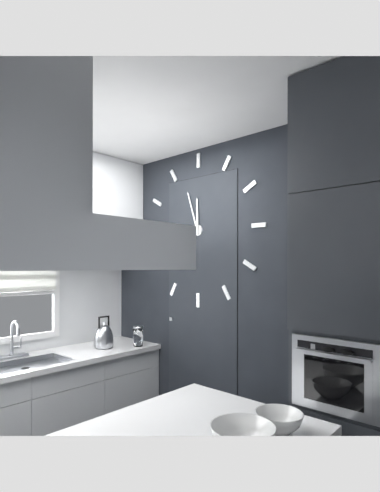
11:57
